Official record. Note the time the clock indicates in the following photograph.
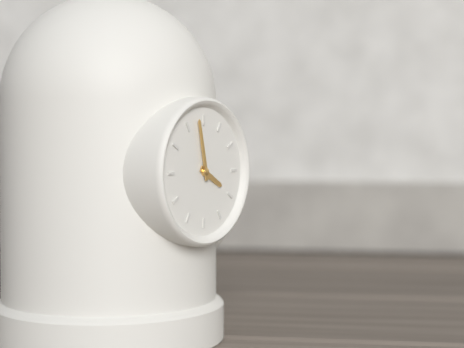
3:58
